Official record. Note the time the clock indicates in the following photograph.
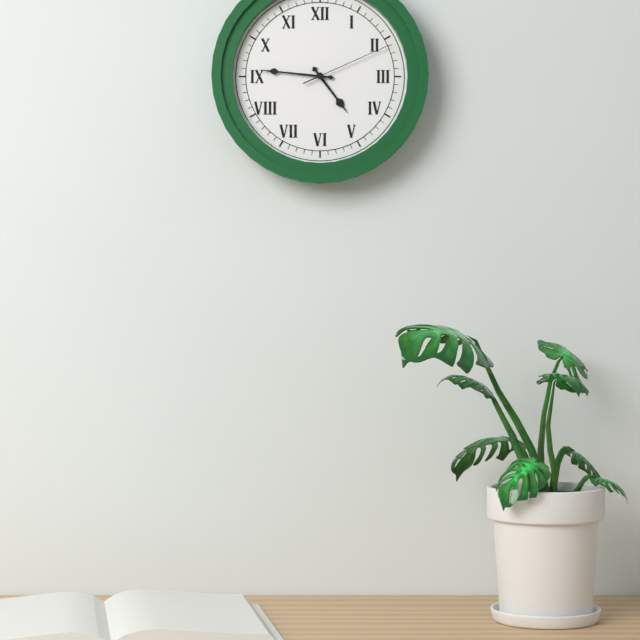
4:46:11
